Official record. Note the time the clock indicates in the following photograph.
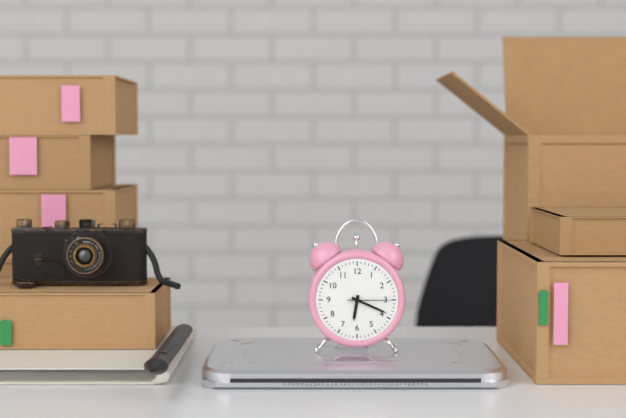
6:19
